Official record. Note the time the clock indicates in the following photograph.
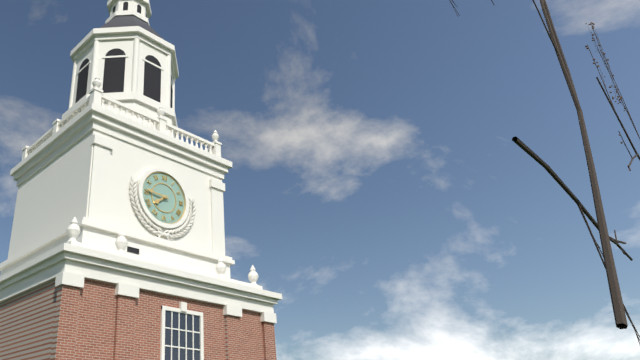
7:46
